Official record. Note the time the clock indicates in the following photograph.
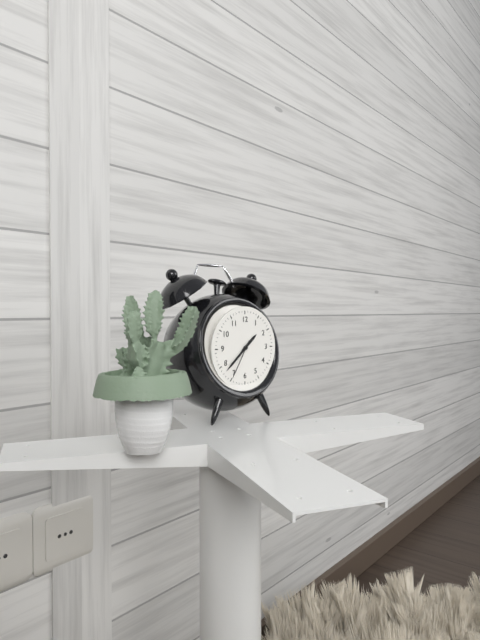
1:38
